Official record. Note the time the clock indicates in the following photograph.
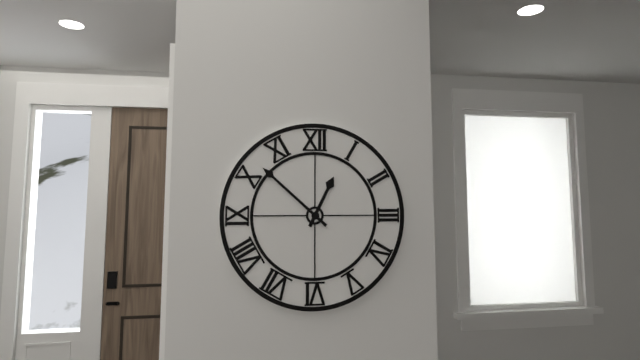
12:52
